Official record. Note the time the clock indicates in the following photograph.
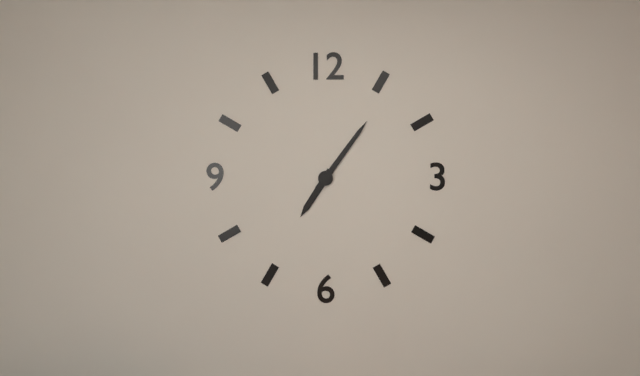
7:06
